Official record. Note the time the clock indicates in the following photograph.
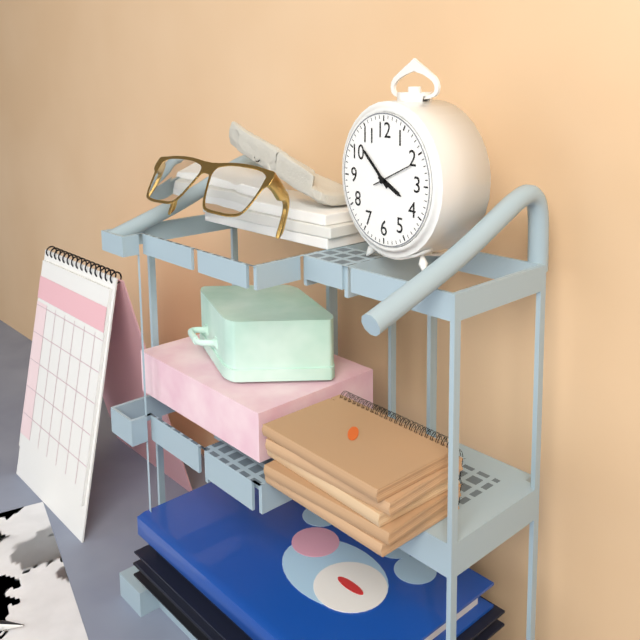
3:52
